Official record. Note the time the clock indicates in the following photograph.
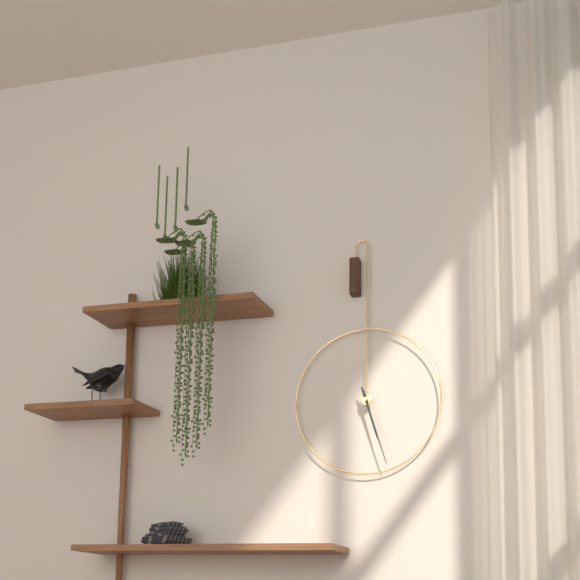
5:27
